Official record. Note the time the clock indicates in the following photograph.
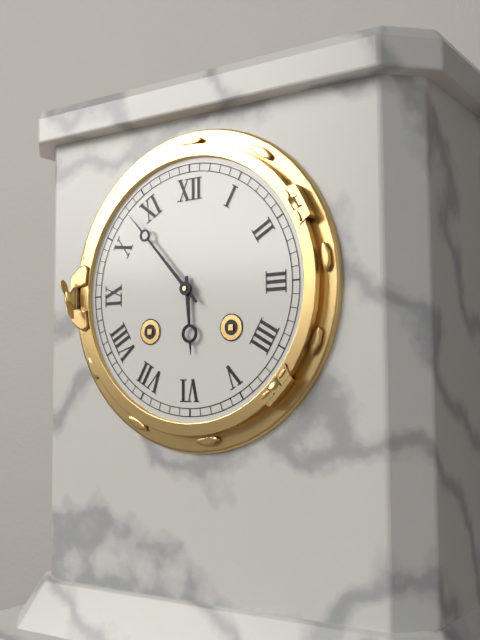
5:53
